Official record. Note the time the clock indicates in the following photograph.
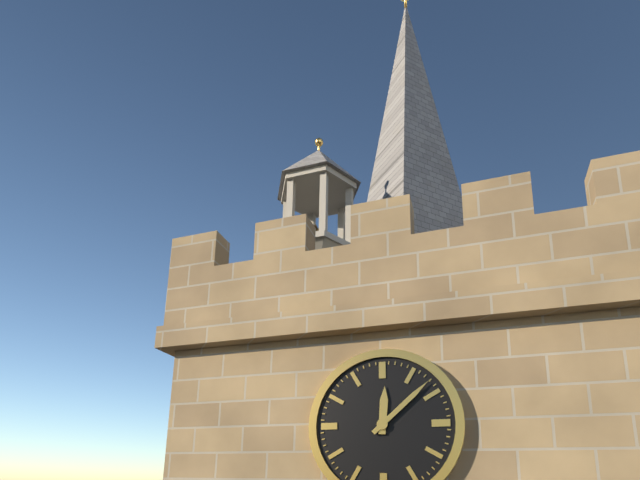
12:08
